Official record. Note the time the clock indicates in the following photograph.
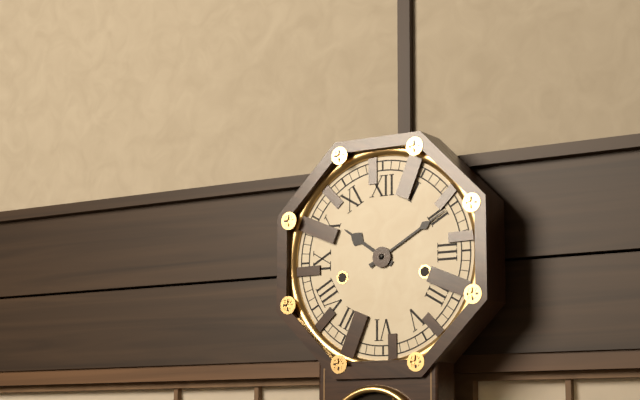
10:10
